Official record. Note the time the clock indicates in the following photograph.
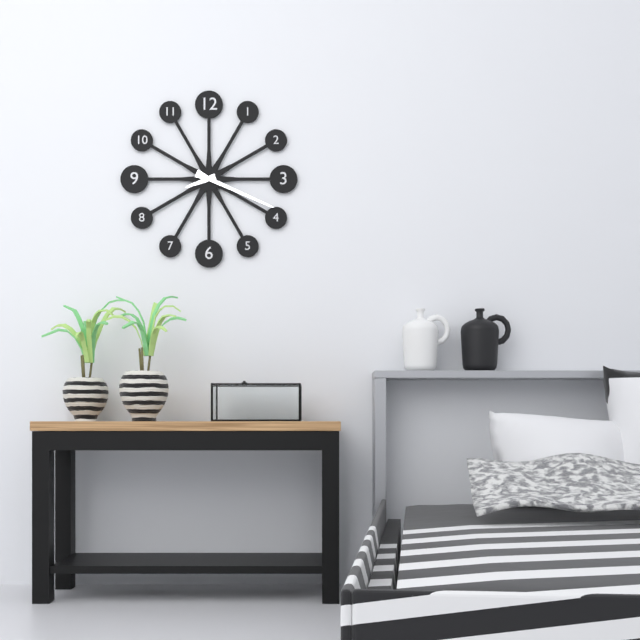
8:19
